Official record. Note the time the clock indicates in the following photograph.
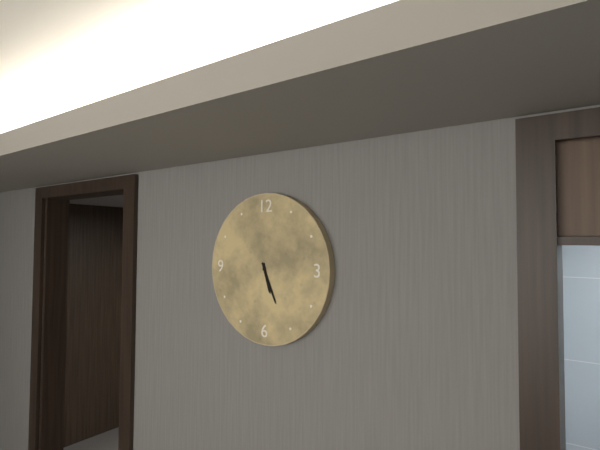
5:26
